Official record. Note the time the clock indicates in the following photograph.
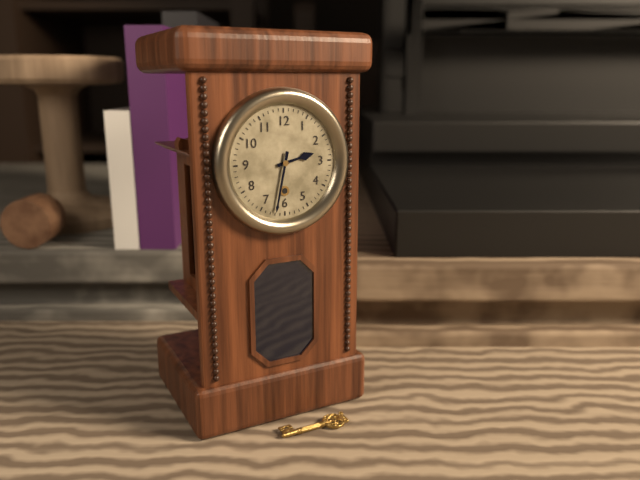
2:32
